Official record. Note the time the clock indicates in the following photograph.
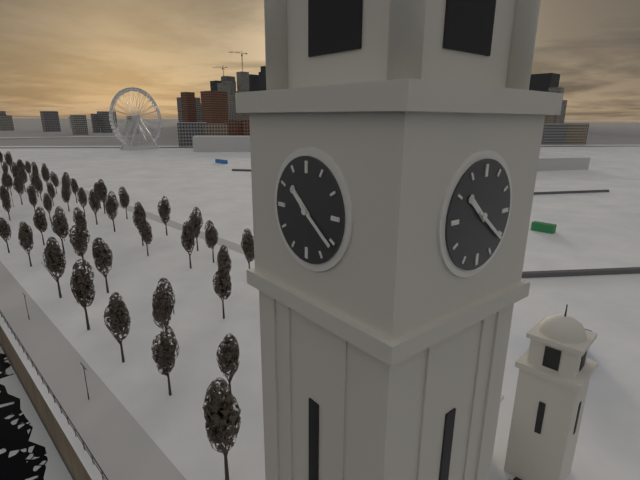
10:21
